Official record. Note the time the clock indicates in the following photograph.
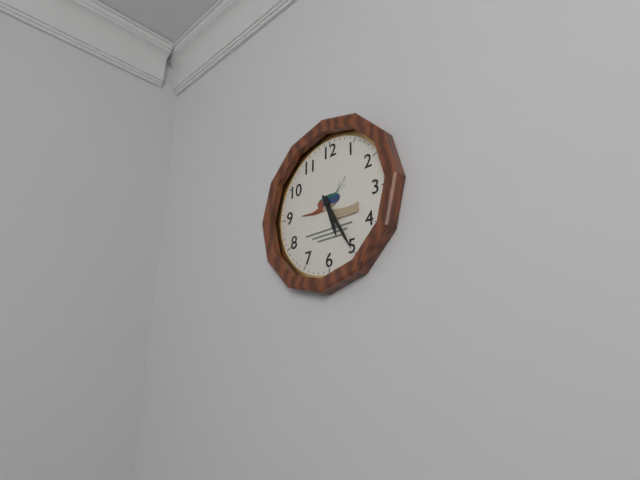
5:25
